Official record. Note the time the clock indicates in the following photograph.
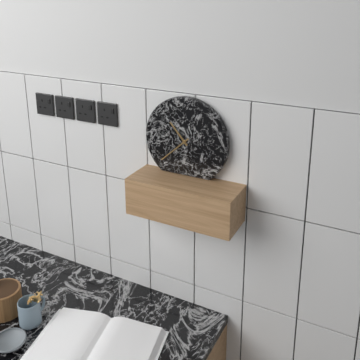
10:38
